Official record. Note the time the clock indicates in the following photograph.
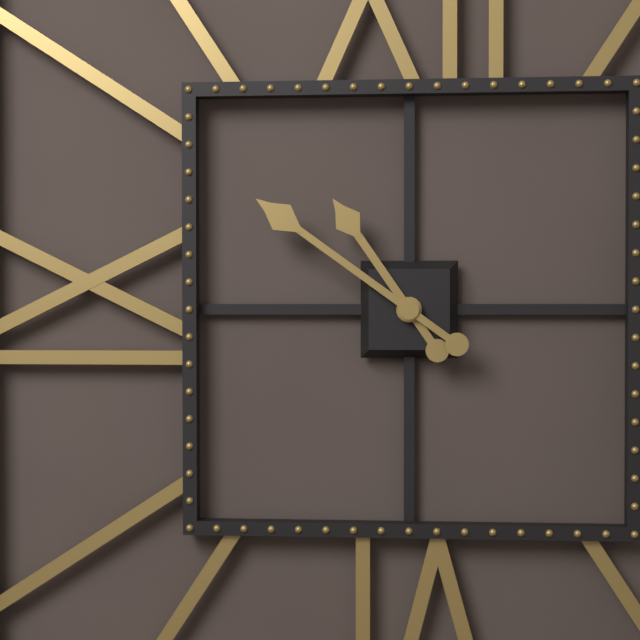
10:51
